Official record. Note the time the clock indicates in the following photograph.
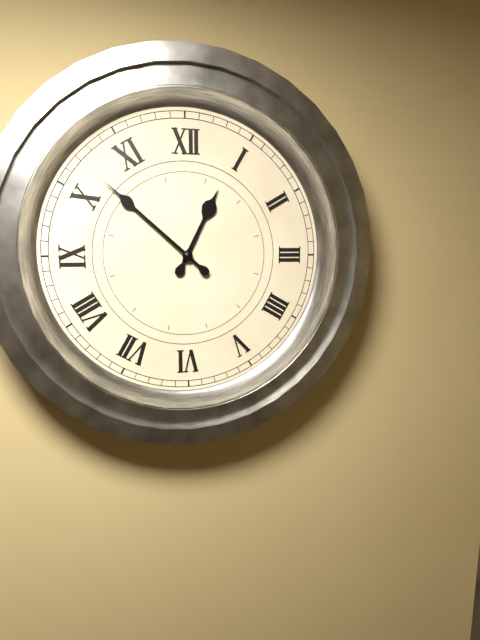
12:52
